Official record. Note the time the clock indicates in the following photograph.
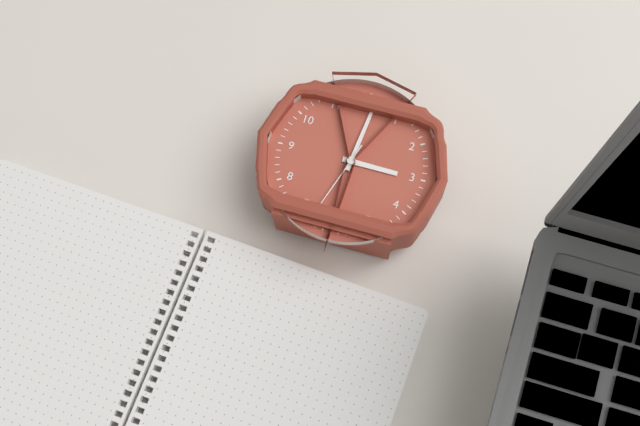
3:01:33
